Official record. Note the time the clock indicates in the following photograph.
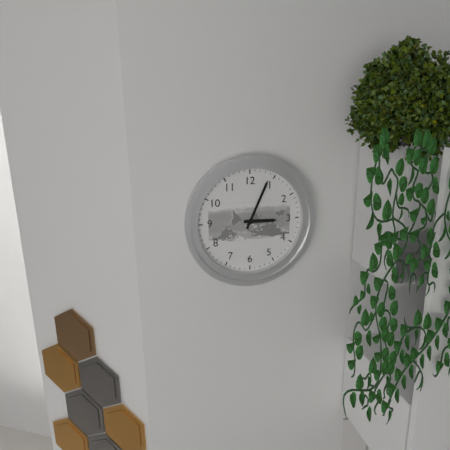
3:04
